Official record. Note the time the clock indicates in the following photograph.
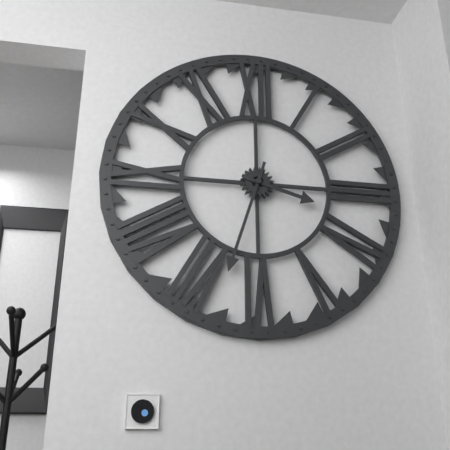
3:33
